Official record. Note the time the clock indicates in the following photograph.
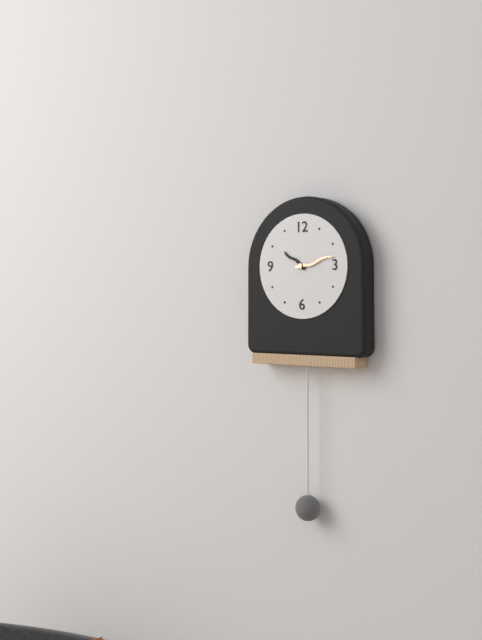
10:13
